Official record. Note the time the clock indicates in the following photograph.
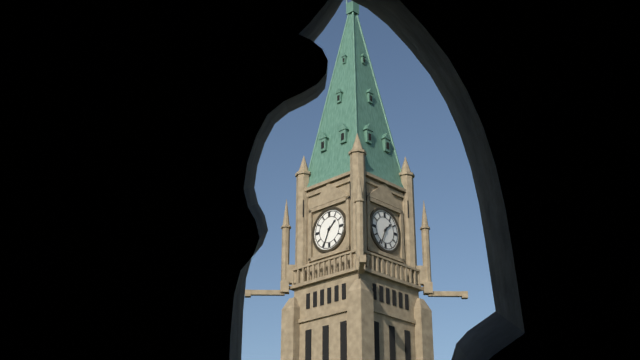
1:34
